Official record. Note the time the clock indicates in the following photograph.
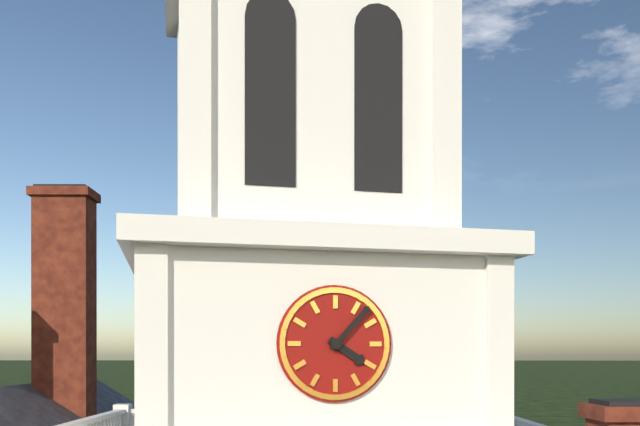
4:07
